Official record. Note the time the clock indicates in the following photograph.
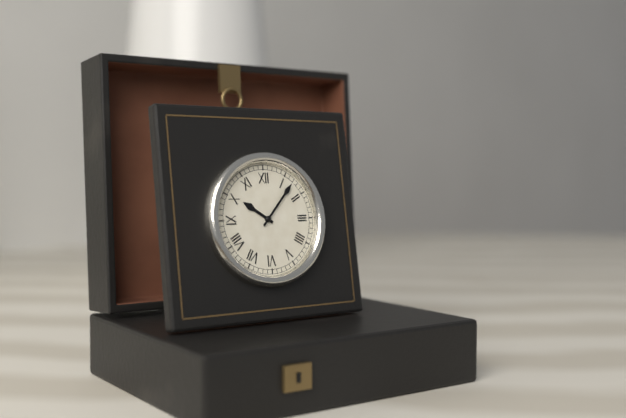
10:07
